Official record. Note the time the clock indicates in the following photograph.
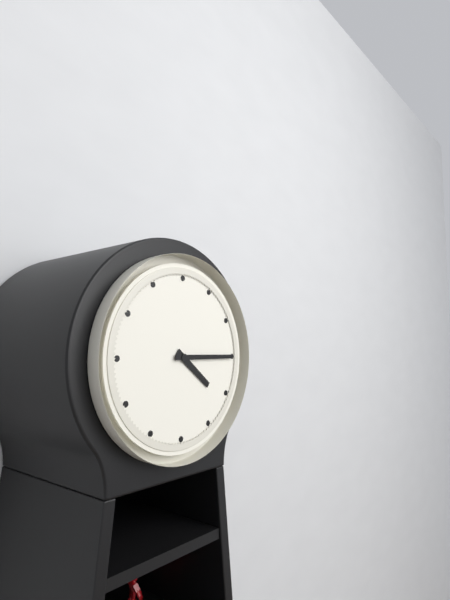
4:15
